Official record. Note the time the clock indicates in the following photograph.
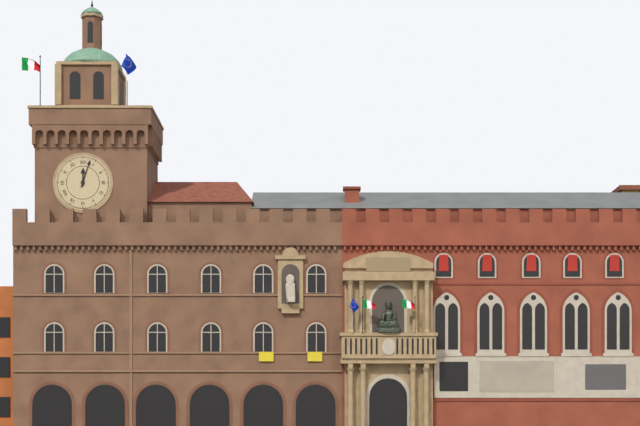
12:03
